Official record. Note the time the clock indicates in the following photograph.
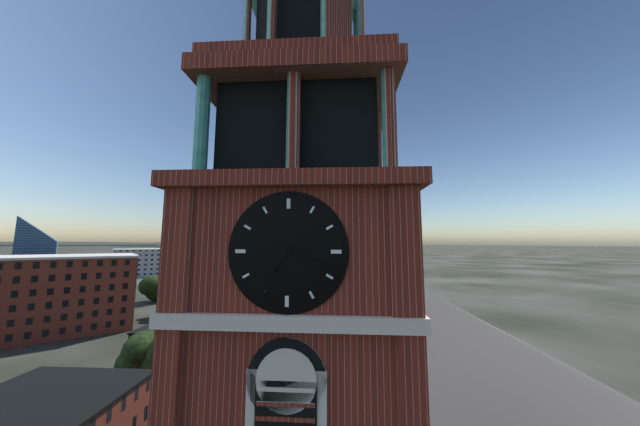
7:18
